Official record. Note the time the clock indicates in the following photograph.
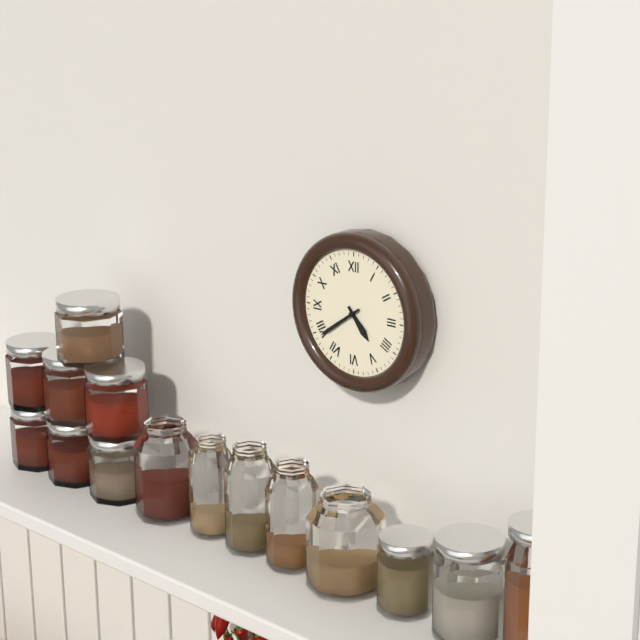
4:39
